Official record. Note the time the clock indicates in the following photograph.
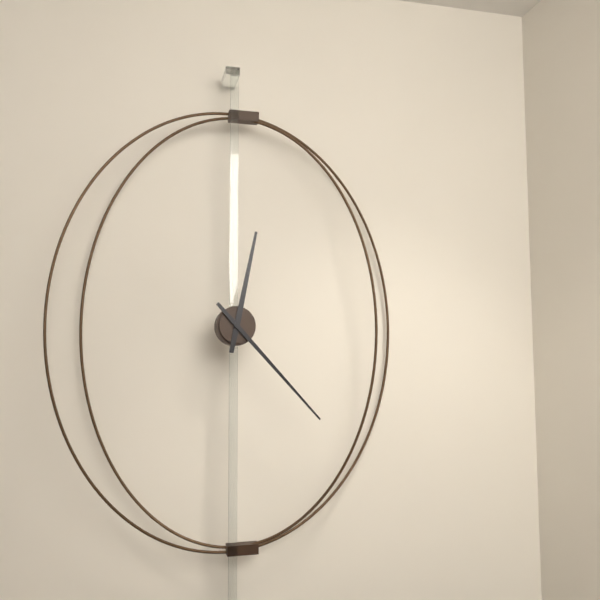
12:23
